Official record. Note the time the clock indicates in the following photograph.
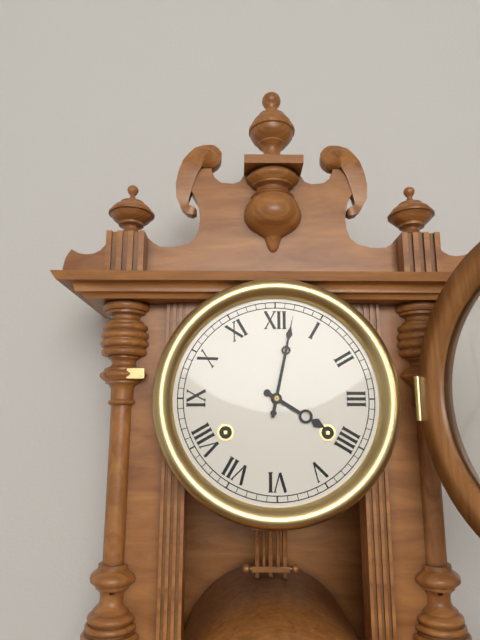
4:02
